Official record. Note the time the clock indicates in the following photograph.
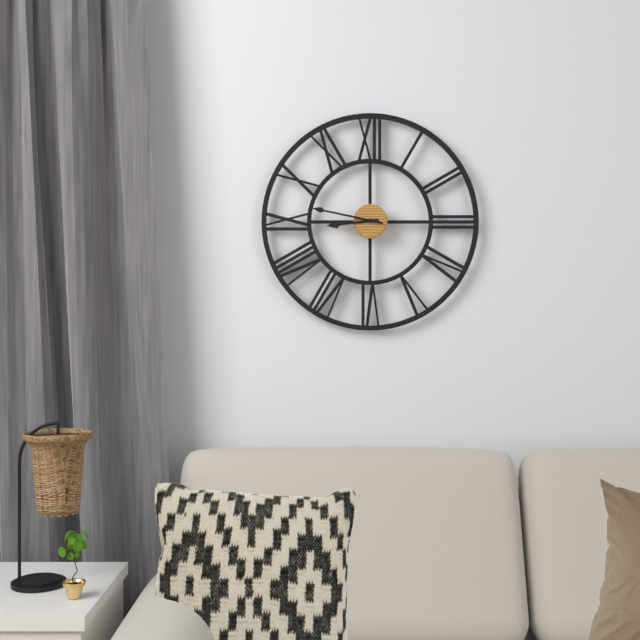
8:47
